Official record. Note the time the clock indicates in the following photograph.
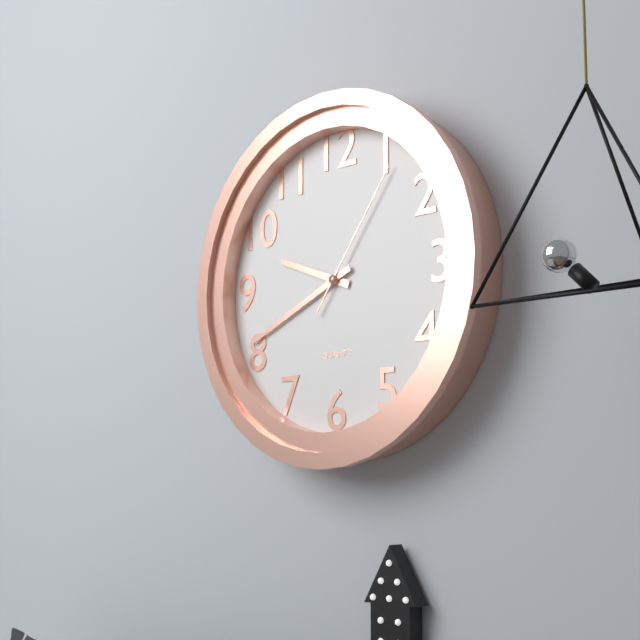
9:41:06
